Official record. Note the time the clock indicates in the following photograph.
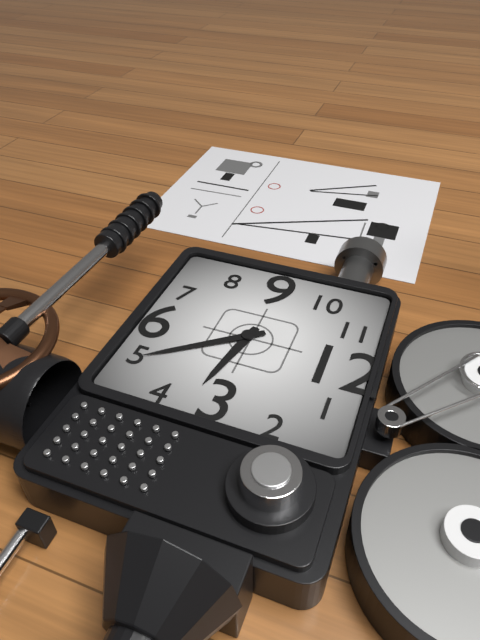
3:24
